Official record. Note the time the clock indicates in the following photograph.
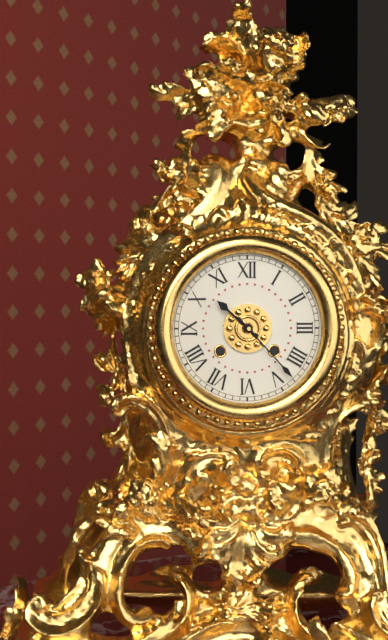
10:23
